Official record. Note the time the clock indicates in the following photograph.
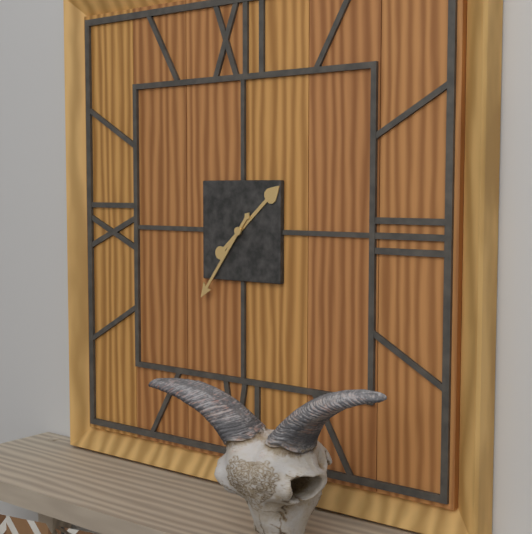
1:36
